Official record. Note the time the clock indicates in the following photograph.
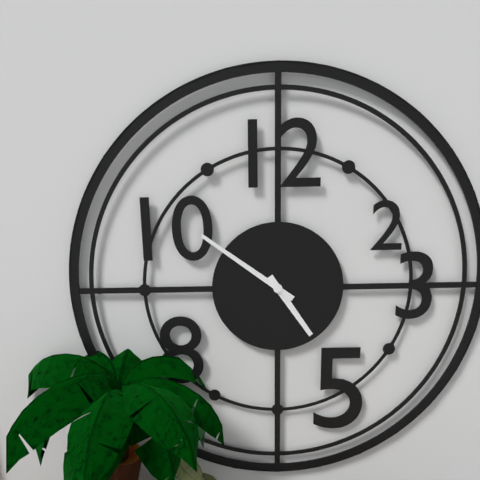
4:51
